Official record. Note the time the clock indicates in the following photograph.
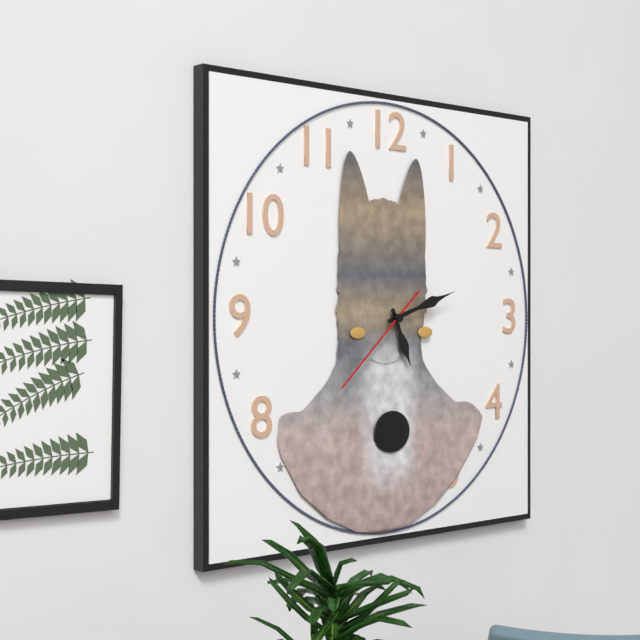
5:12:38
